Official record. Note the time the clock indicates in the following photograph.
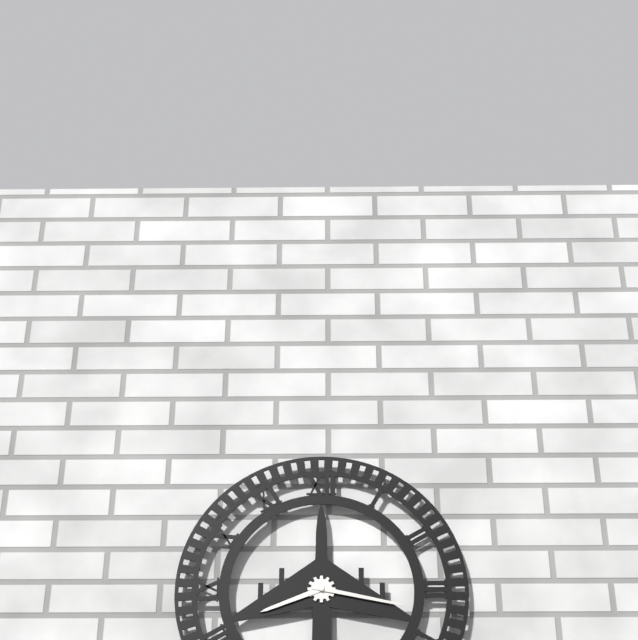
8:17
